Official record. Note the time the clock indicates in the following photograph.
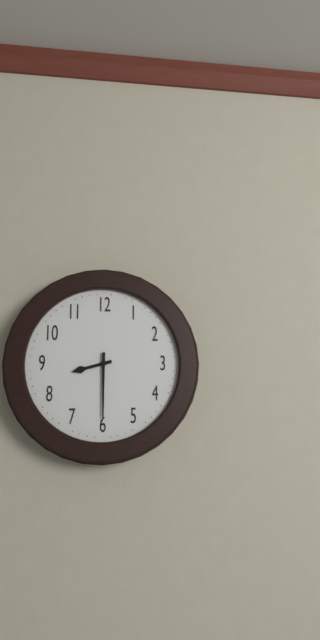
8:30
